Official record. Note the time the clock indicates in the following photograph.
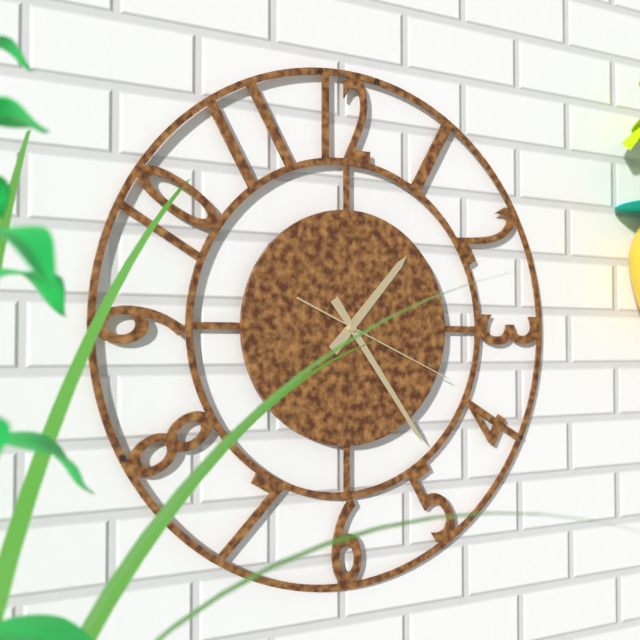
1:24:19
